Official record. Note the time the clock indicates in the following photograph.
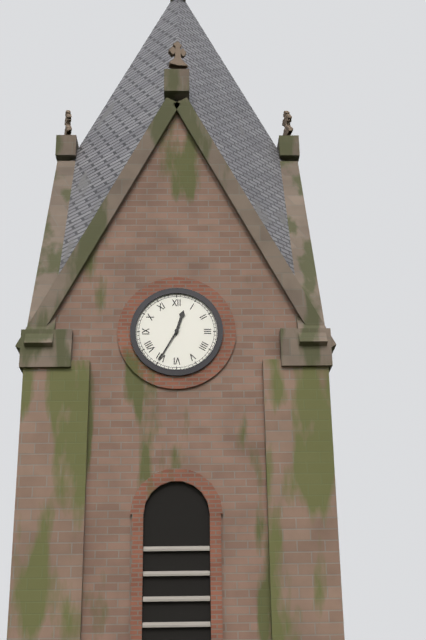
12:35
